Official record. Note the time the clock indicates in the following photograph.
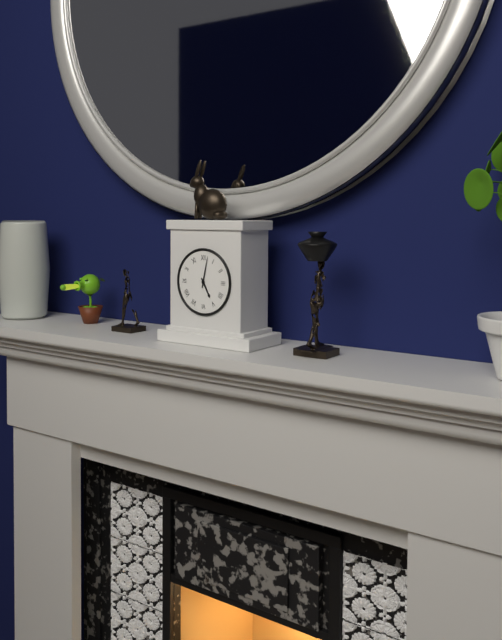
5:02
